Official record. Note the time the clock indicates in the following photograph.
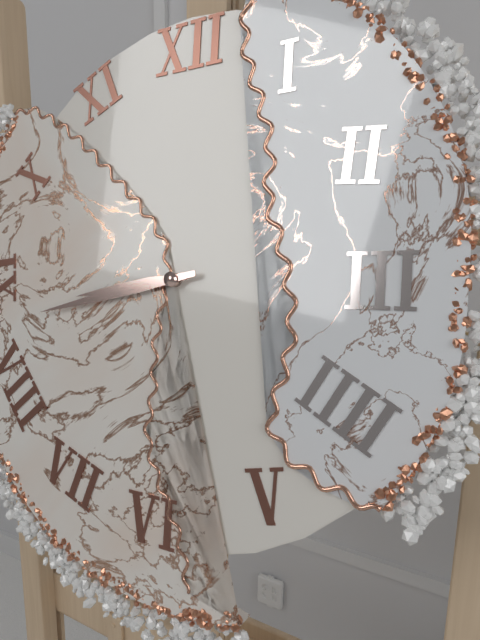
8:43
